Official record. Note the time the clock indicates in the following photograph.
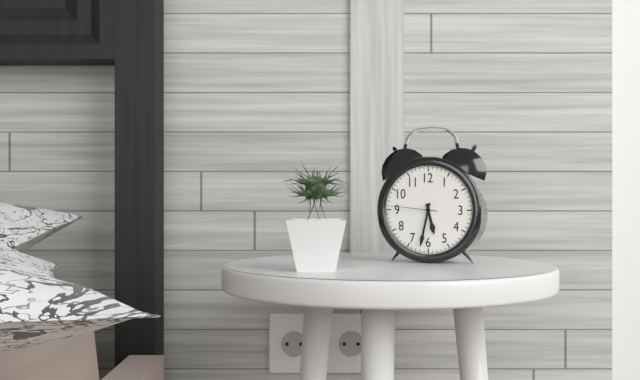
5:32
